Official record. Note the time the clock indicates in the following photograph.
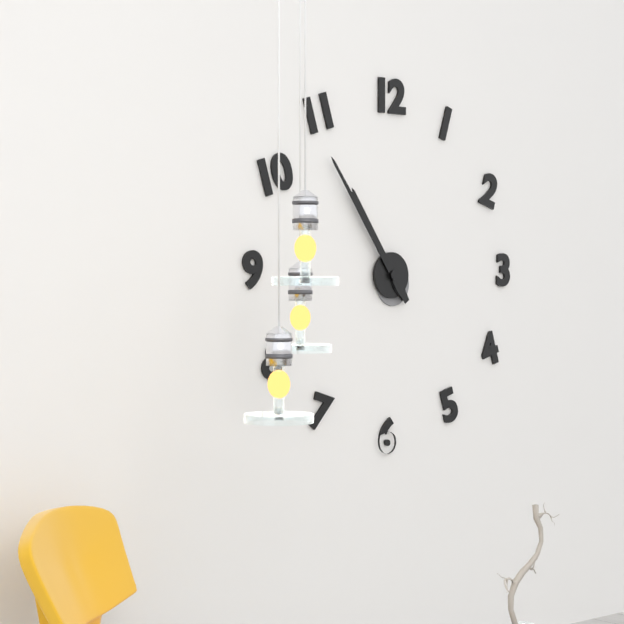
10:54
